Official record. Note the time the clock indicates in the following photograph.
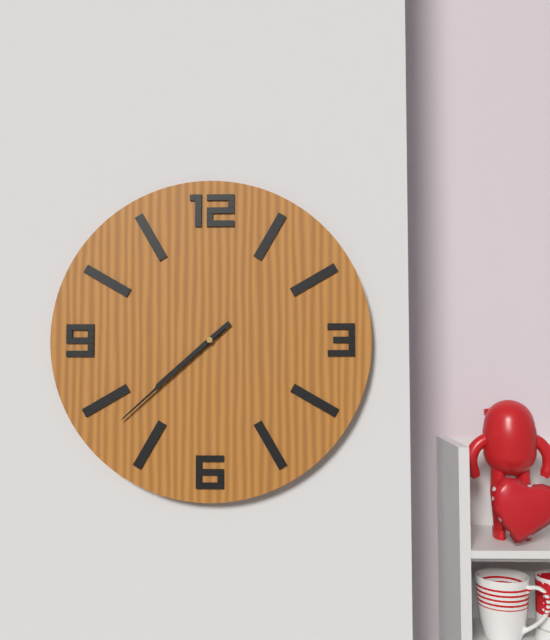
7:38
